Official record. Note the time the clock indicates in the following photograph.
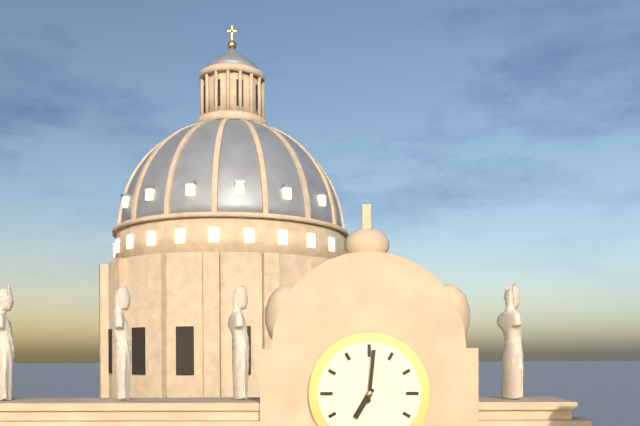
7:01
